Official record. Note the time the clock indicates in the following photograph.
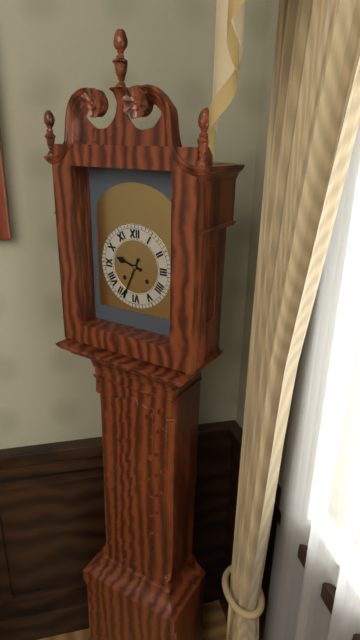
9:34
